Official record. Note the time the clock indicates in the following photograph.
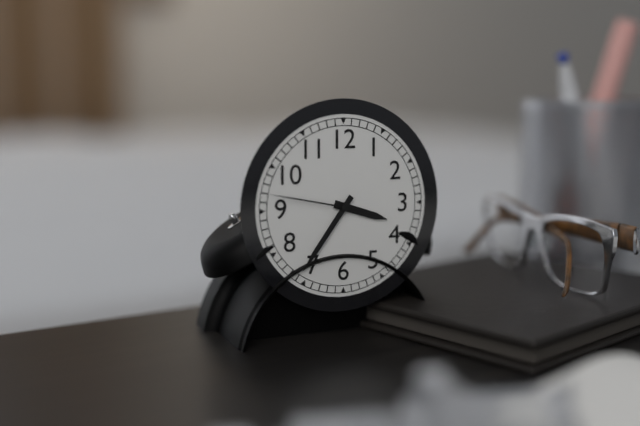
3:36:47
